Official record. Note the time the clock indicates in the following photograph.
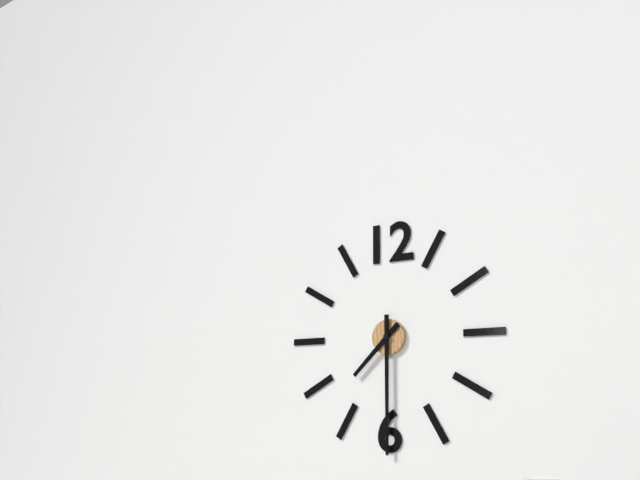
7:30
